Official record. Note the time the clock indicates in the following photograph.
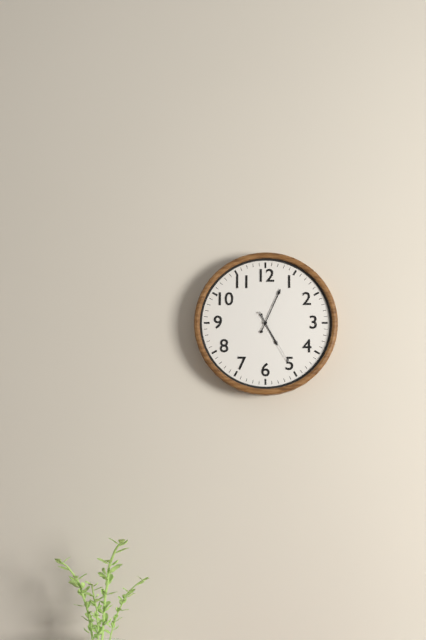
5:04:25
